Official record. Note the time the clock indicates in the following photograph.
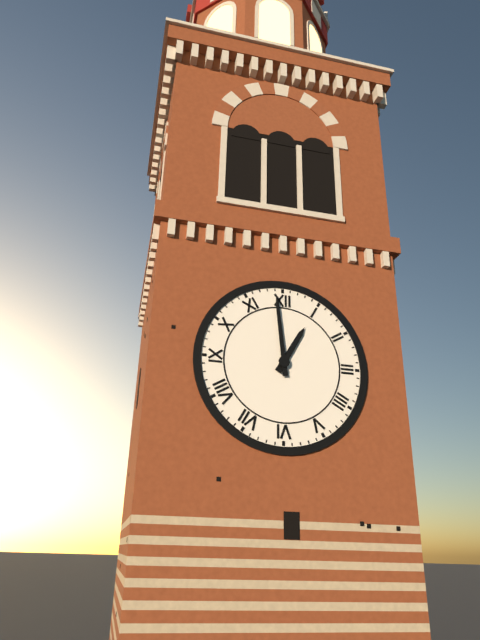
12:59
